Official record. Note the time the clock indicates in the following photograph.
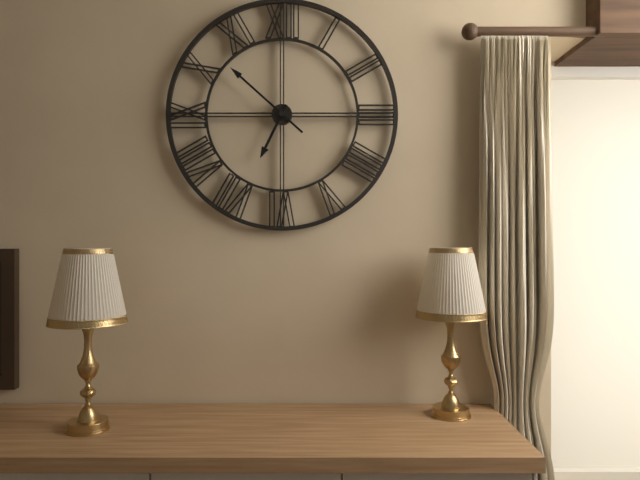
6:52
